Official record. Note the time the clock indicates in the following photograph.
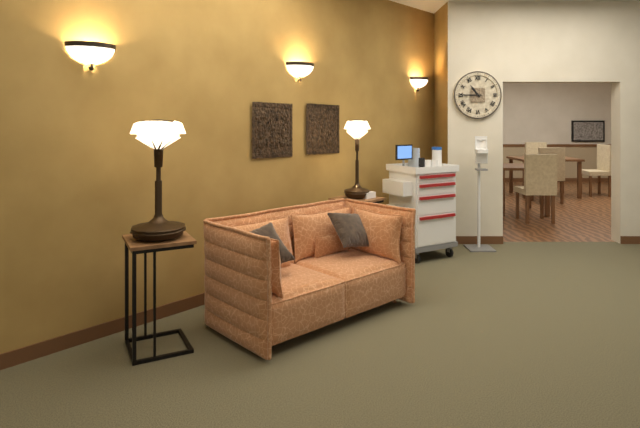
10:45
